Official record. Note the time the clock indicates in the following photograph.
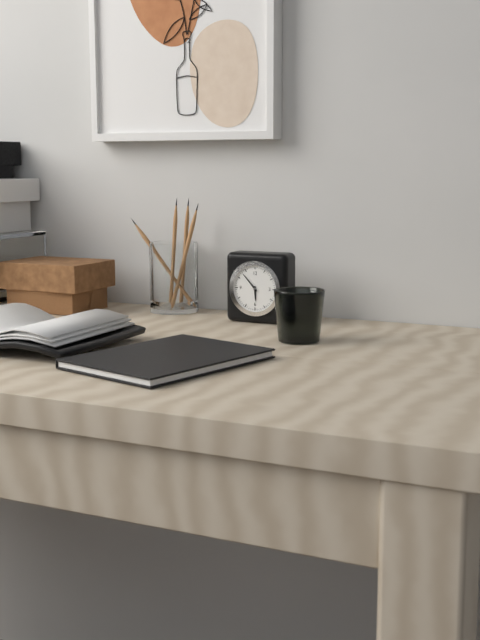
5:53
